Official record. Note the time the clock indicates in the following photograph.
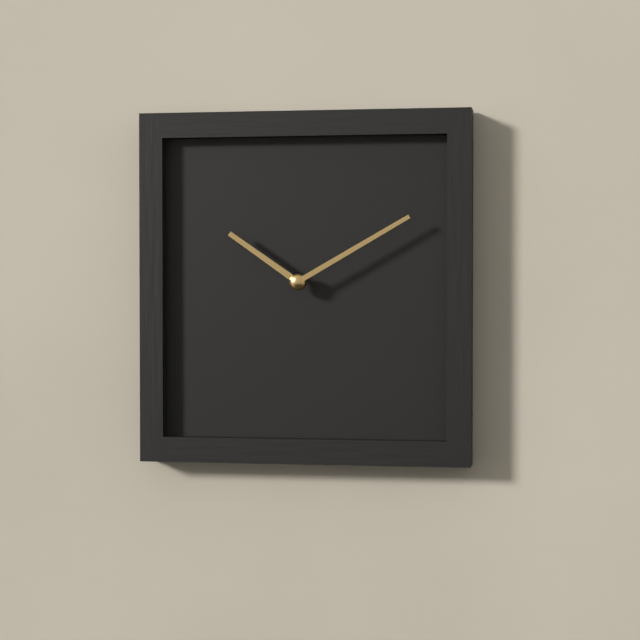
10:10
